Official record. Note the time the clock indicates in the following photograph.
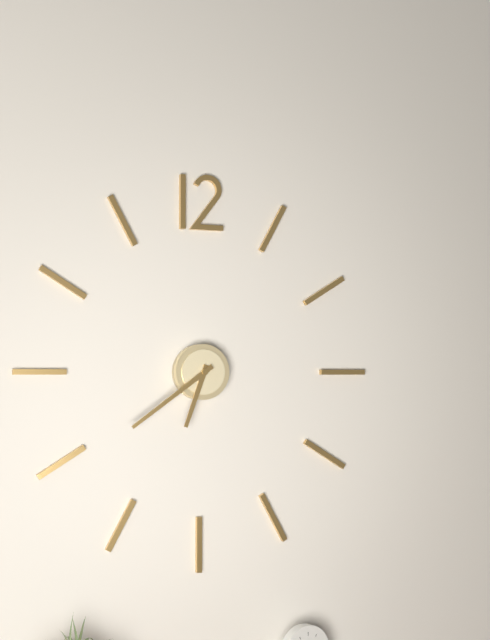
6:39
